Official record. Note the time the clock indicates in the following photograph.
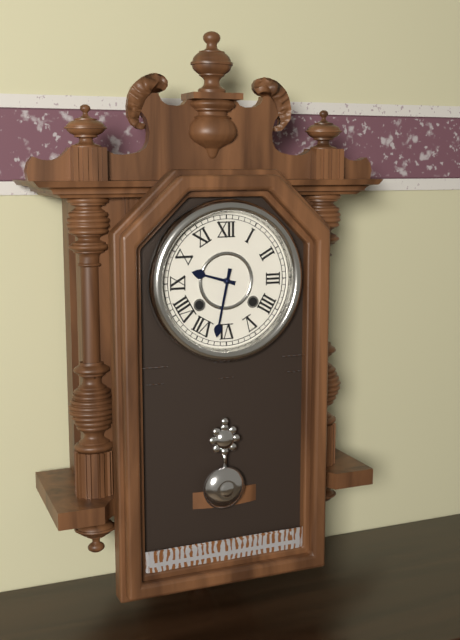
9:32
